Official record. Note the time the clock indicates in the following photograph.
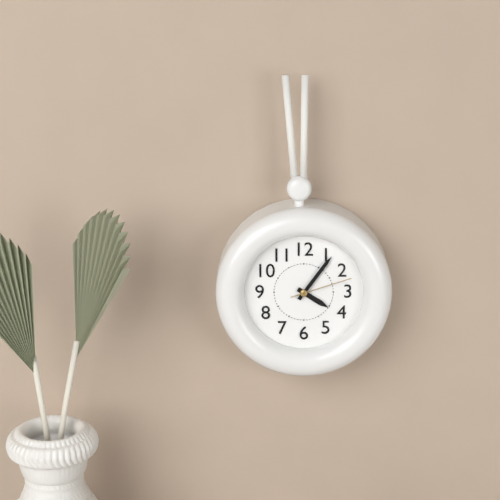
4:06:12
